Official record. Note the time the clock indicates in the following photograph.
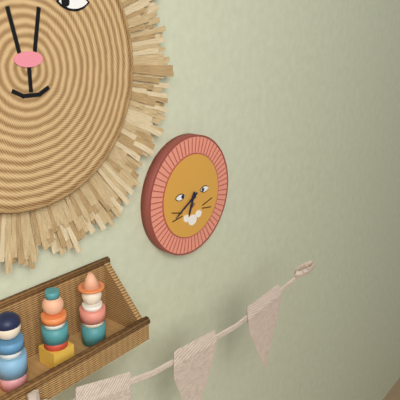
6:40
